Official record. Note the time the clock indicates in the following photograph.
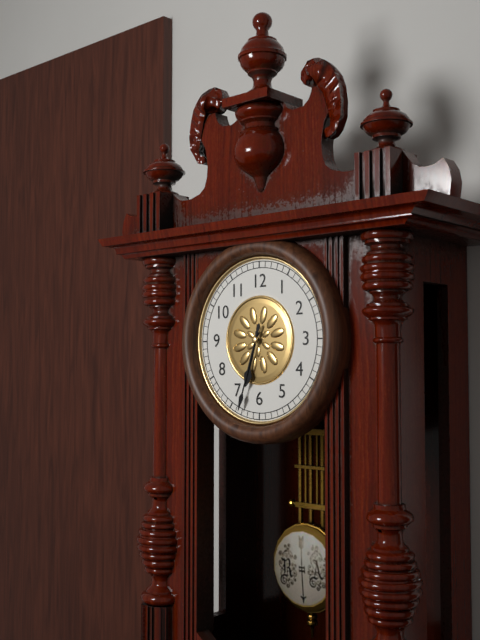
6:33
